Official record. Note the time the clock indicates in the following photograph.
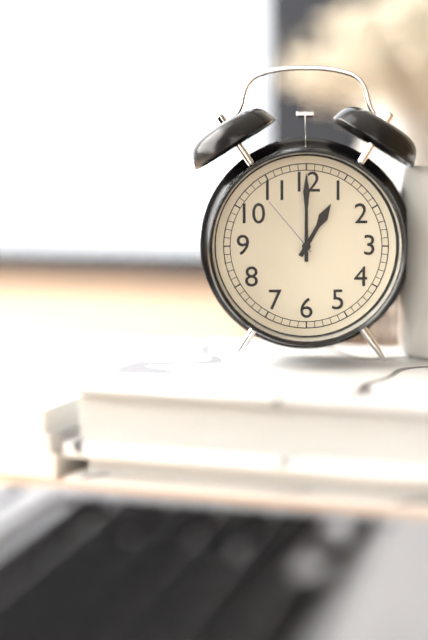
1:00
